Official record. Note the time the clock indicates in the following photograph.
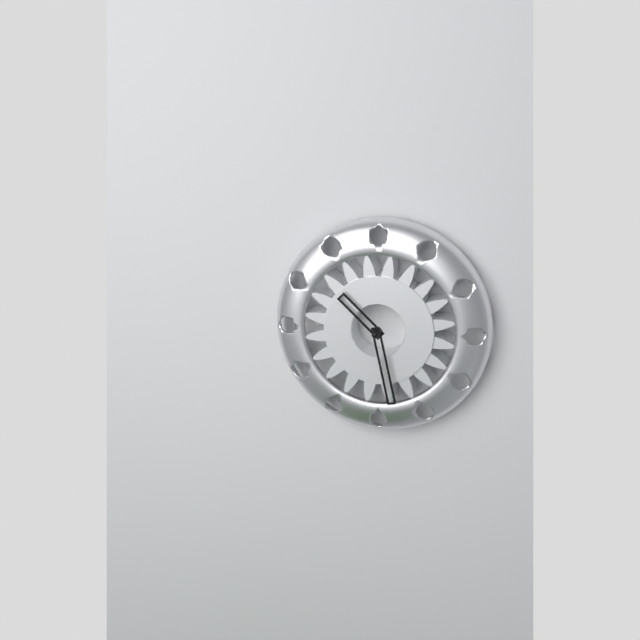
10:28
